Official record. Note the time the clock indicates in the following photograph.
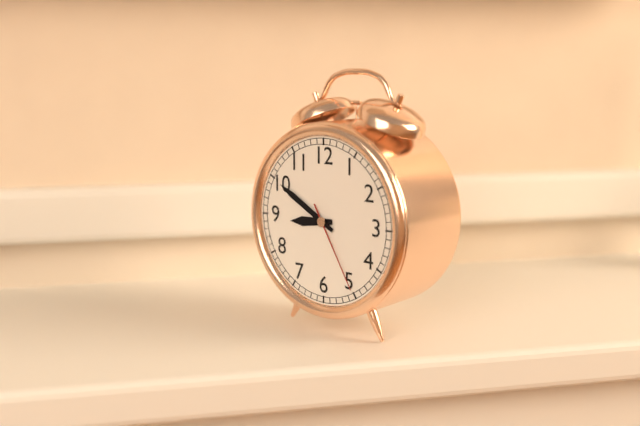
8:50:25
